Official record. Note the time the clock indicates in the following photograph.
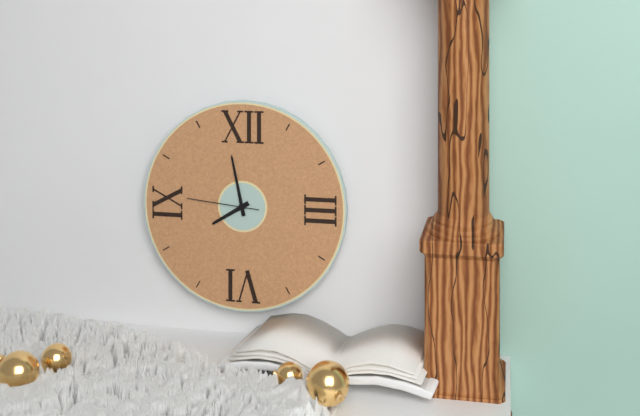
7:58:46
